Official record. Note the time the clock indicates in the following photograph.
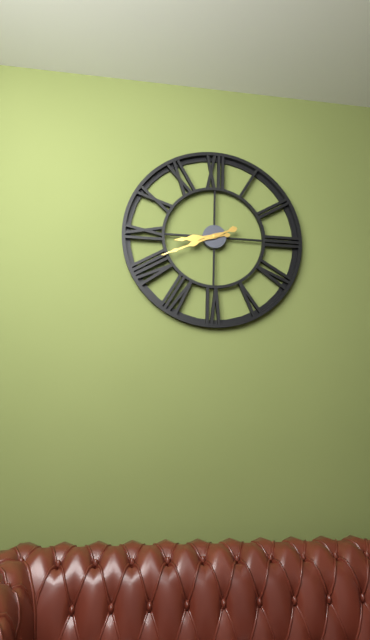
8:41
